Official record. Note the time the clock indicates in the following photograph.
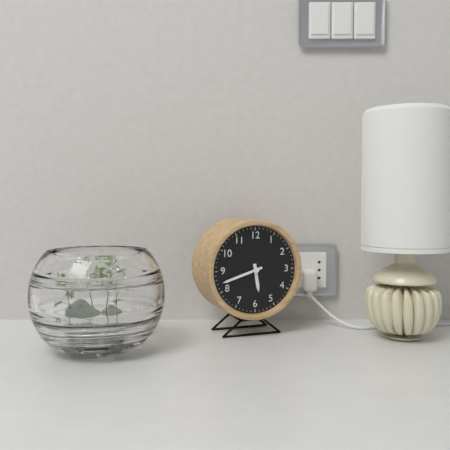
5:42
